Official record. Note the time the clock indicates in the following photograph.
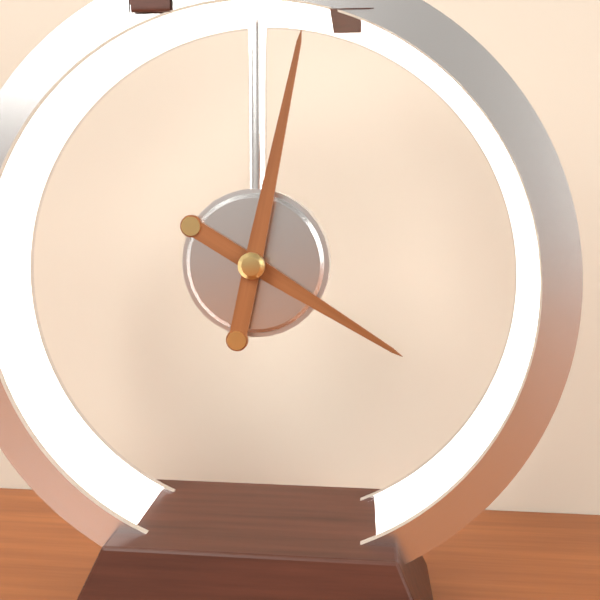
4:02
